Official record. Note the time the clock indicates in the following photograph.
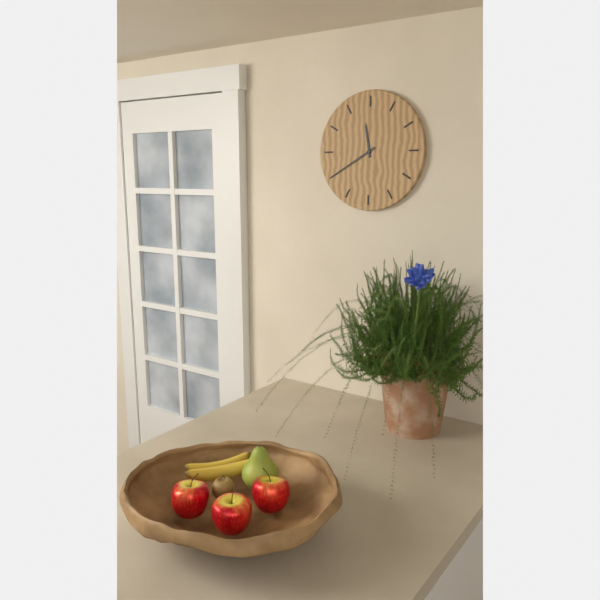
11:40
